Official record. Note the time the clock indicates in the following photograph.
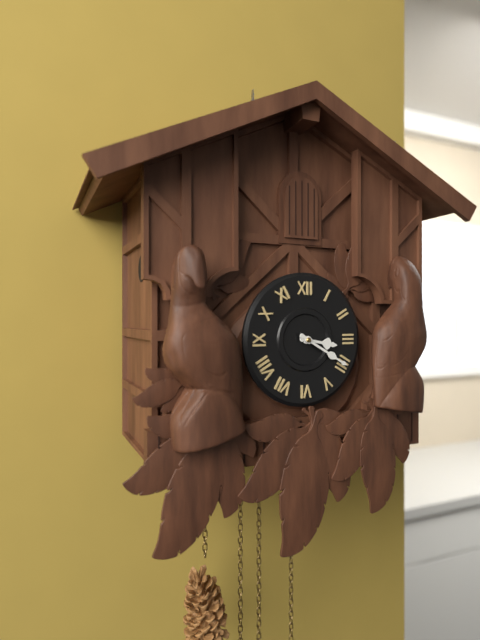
3:20
